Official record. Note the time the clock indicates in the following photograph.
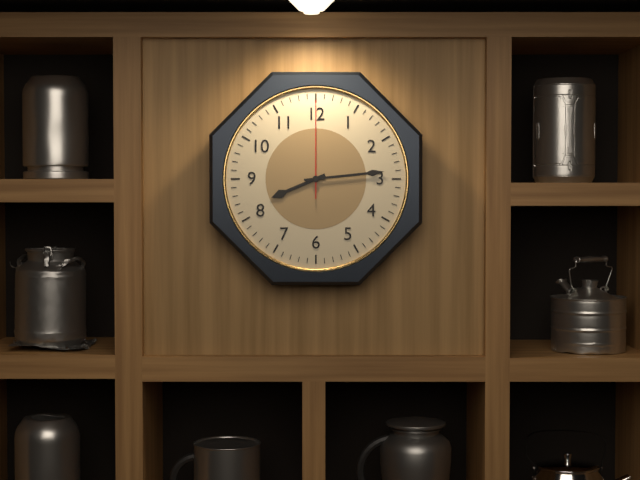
8:14:00
